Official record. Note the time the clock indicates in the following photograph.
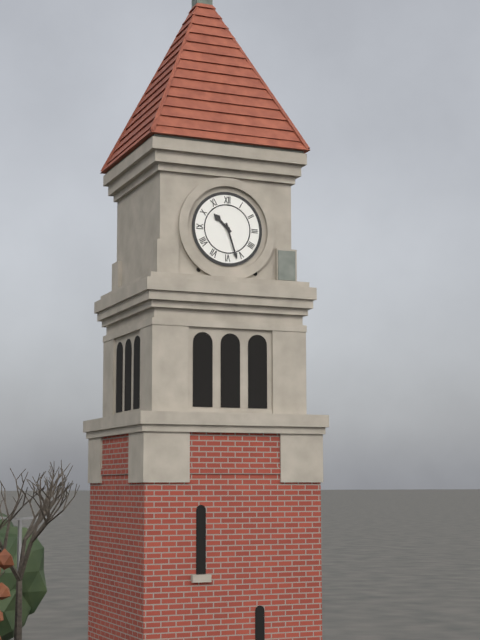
10:27
